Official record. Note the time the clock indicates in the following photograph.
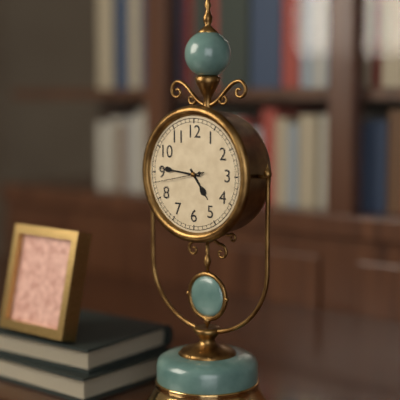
4:46
